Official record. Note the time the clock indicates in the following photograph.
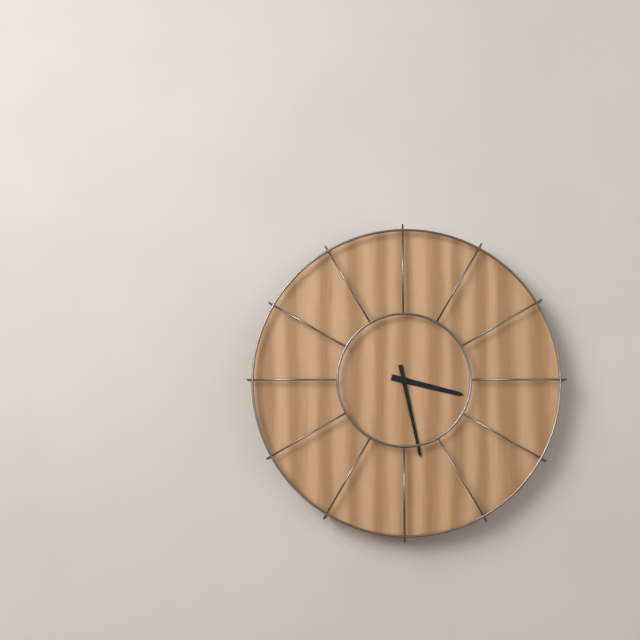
3:28
